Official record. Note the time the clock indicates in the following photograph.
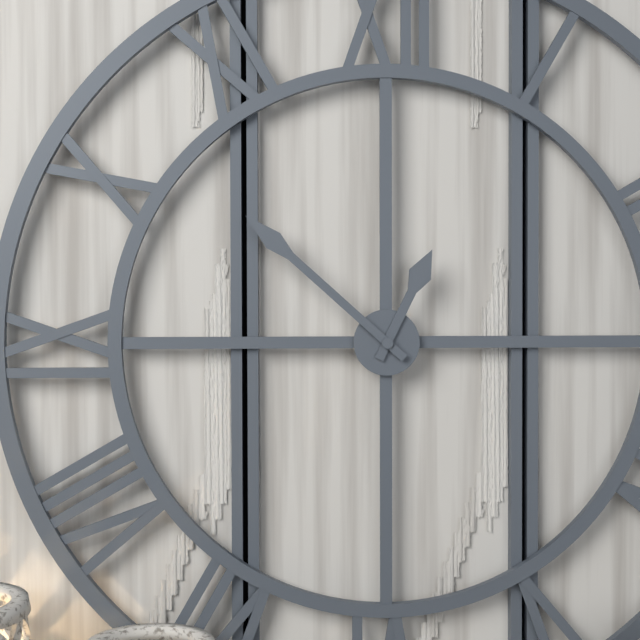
12:52
